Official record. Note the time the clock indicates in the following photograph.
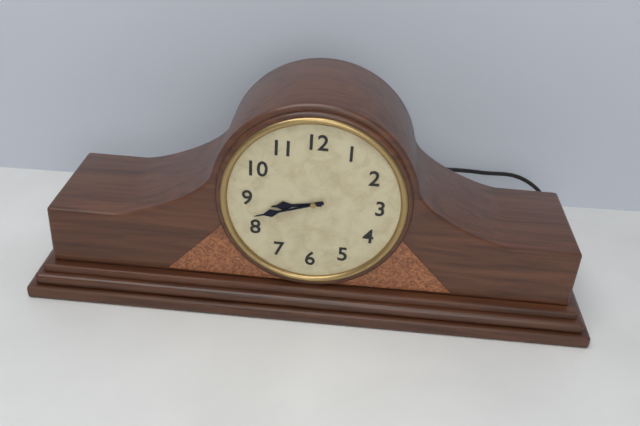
8:42
